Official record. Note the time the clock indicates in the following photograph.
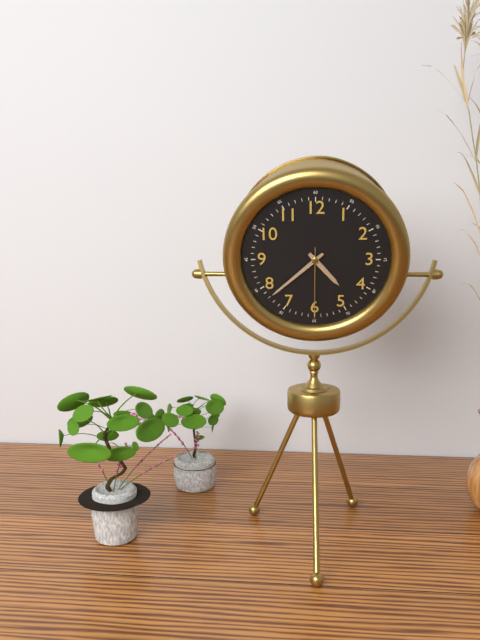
4:38:30
